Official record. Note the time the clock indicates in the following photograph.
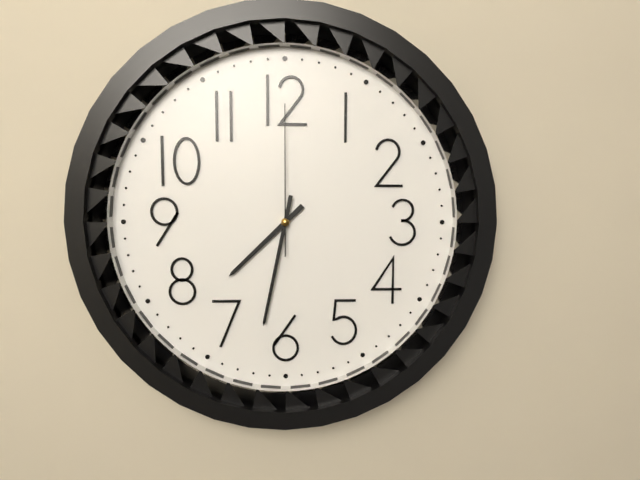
7:32:00
